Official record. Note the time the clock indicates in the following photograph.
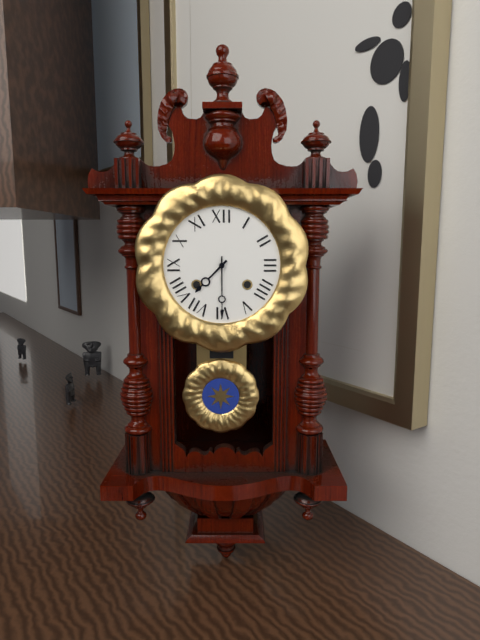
7:30
